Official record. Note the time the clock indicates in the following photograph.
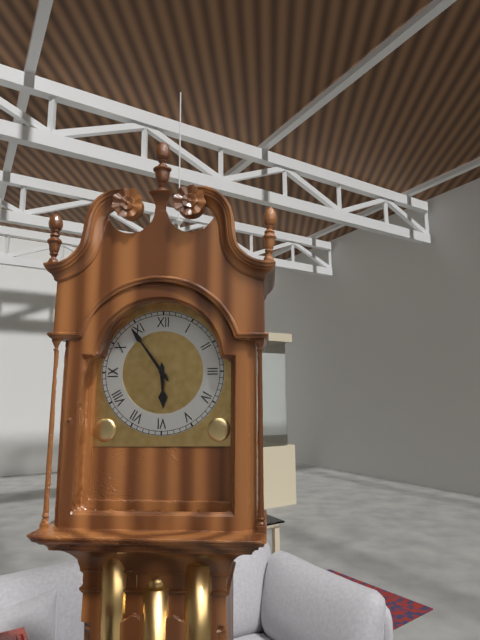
5:54
